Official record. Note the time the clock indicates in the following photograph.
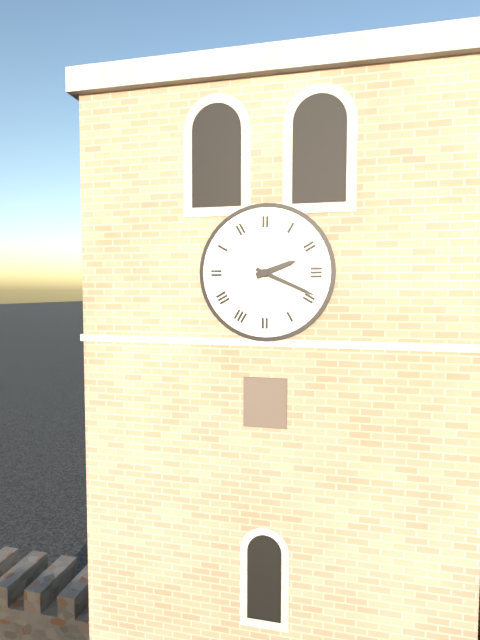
2:19
